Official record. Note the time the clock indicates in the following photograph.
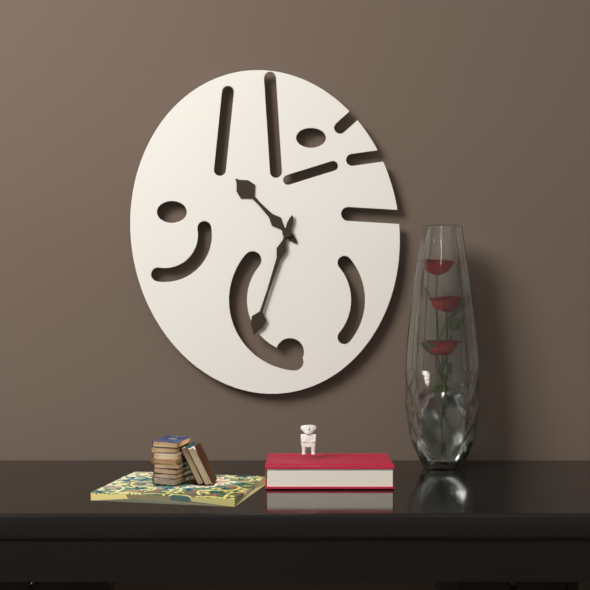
10:33
